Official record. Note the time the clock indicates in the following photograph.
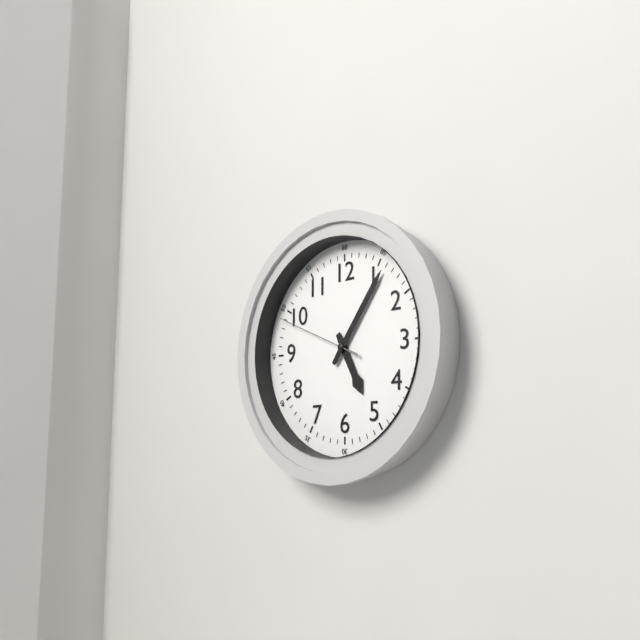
5:06:49
